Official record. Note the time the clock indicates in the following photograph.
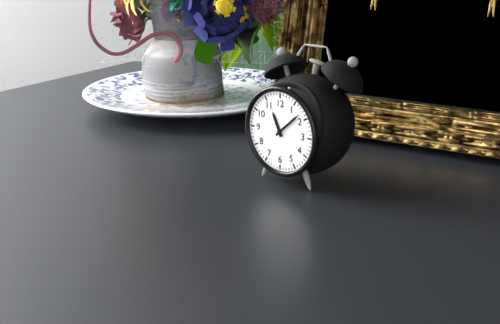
11:08
